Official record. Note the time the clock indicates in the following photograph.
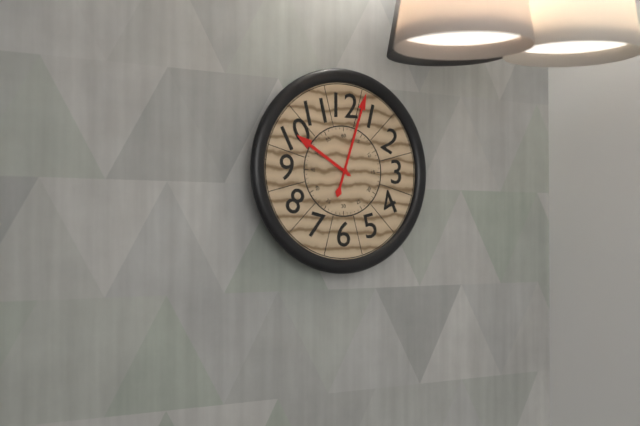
10:03
